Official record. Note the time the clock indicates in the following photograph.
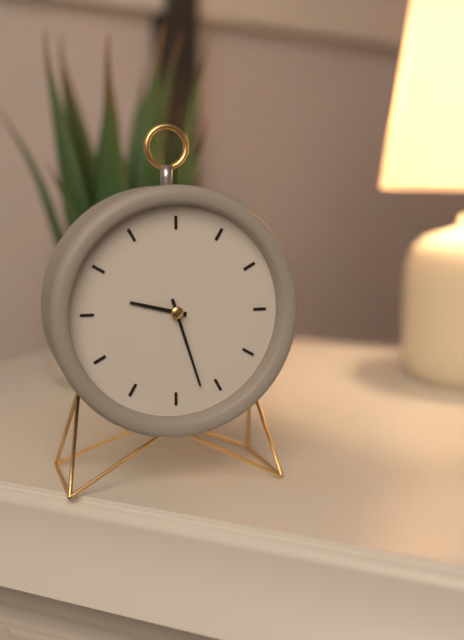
9:27
